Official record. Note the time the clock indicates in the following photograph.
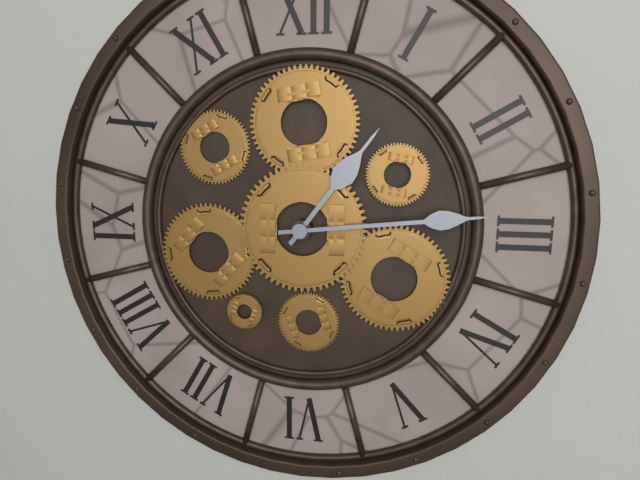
1:14
